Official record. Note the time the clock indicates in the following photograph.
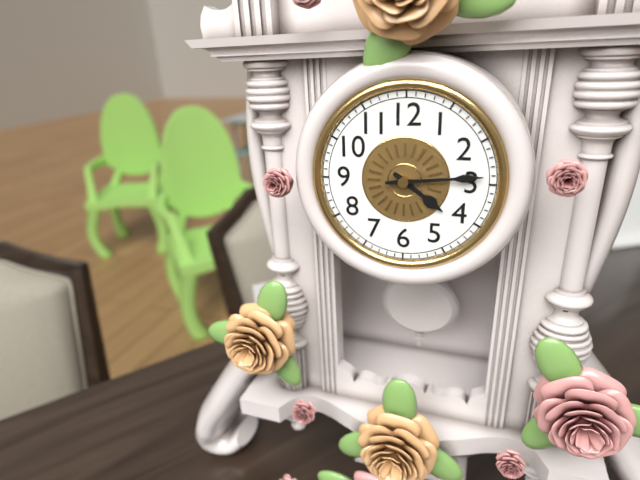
4:14
